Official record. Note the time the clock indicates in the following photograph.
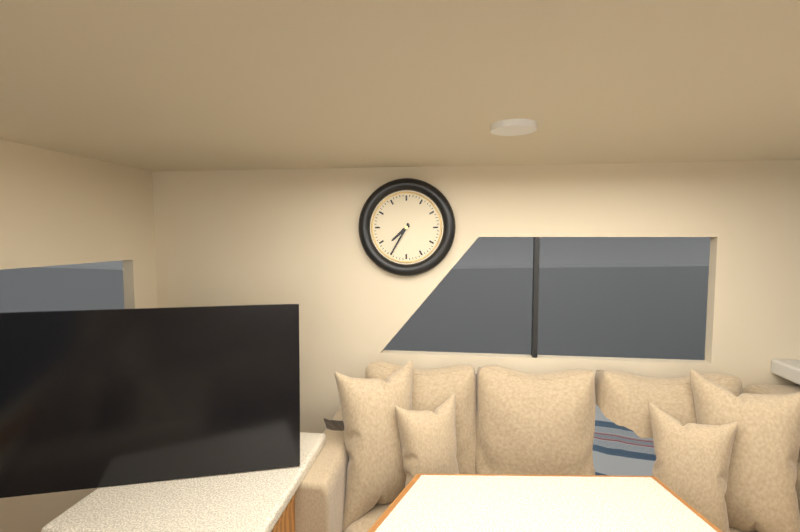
7:35
